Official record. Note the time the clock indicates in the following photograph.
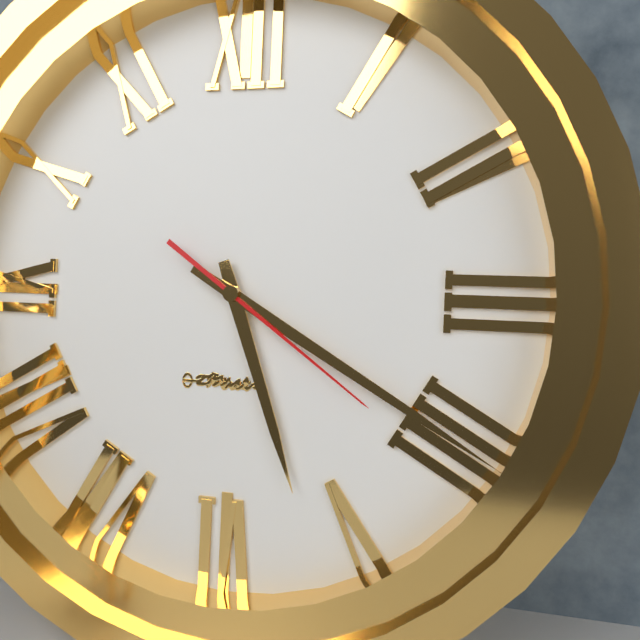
5:20:21
